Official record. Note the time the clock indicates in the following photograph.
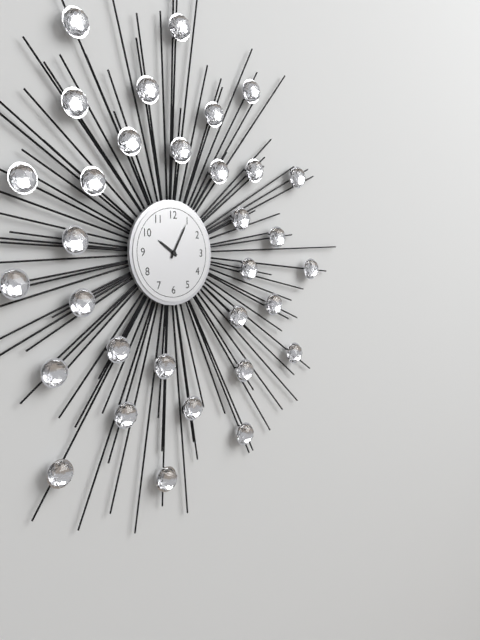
10:05
